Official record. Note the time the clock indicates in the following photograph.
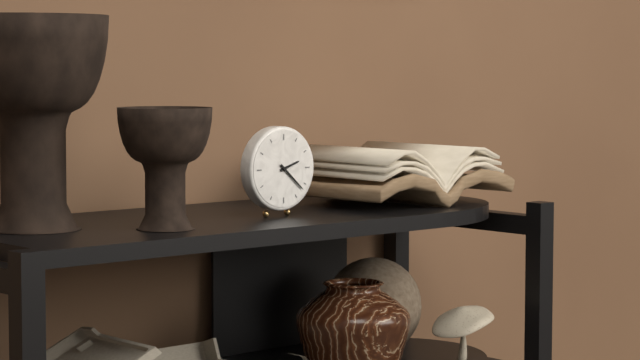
2:22
